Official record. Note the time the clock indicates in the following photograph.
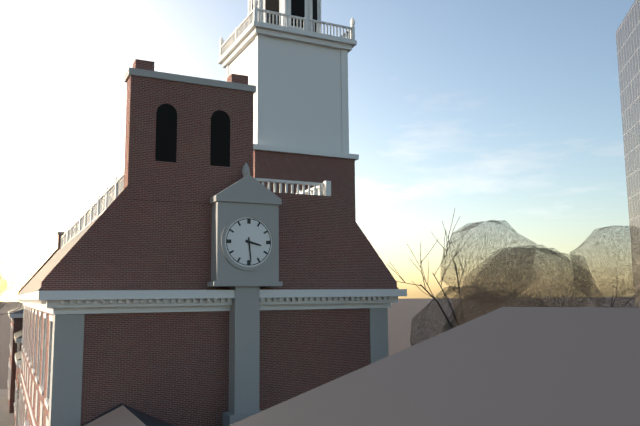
3:29
